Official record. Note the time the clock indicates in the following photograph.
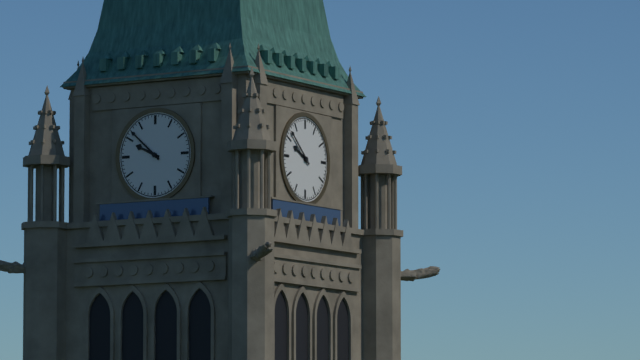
9:52
